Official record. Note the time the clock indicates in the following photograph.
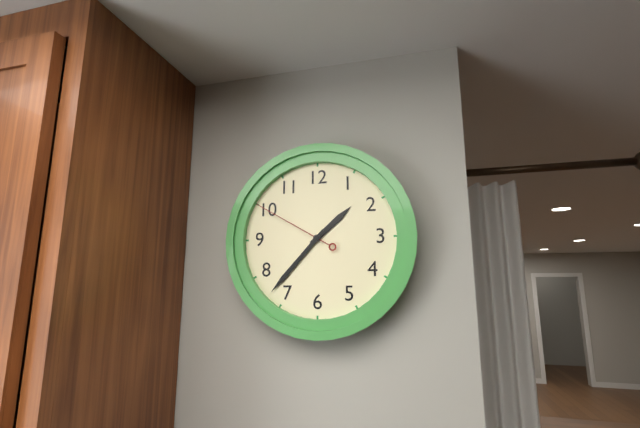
1:37:50
